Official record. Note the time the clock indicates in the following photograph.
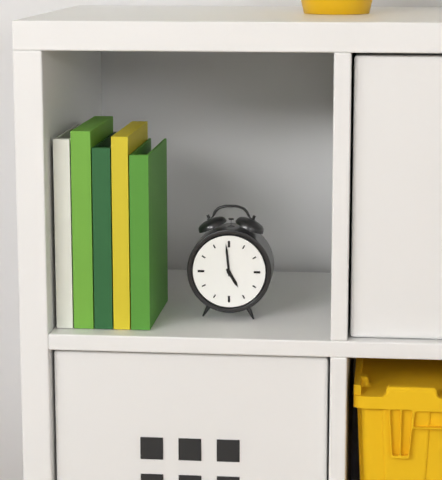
4:59
